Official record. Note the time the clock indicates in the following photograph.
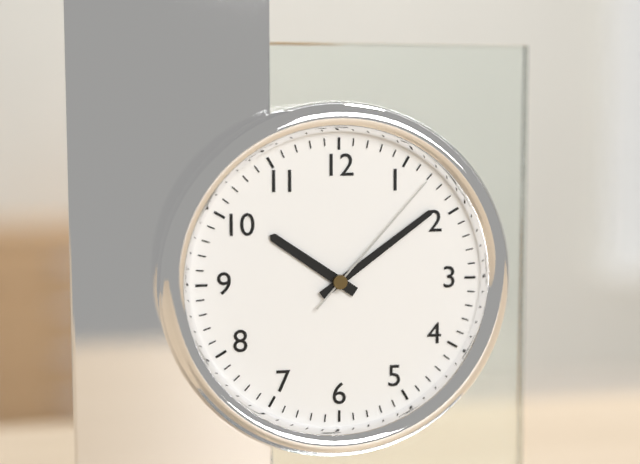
10:09:07
